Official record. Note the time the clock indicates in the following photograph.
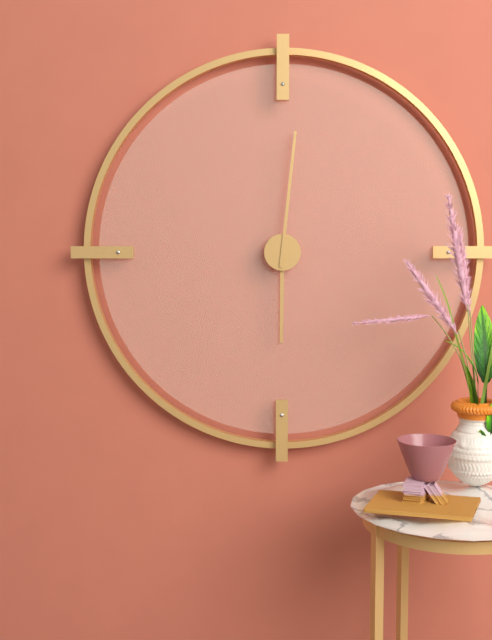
6:01
